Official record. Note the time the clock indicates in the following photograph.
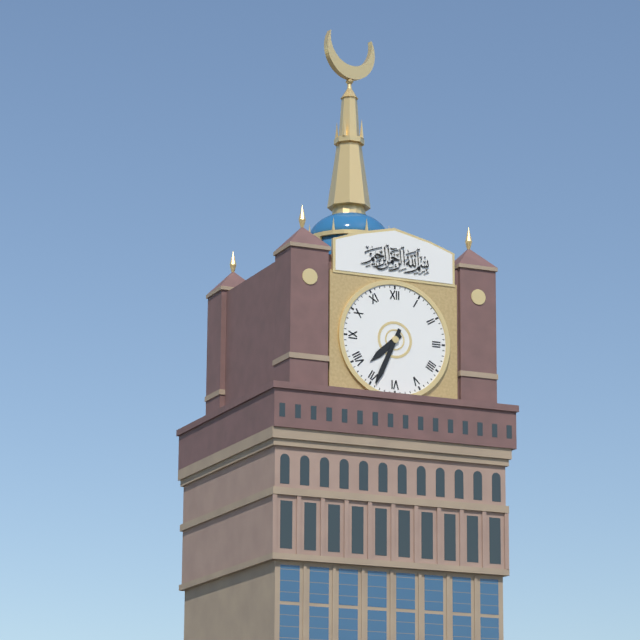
7:34
